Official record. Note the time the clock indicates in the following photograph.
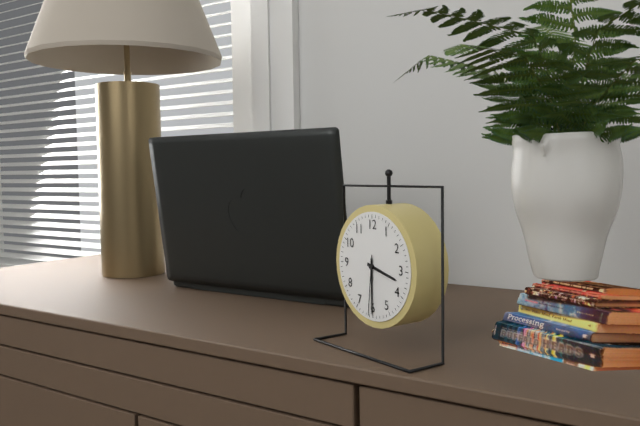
3:30:31
